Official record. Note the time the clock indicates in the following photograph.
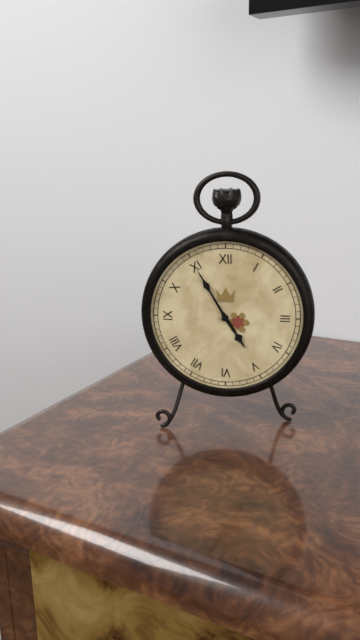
4:55
